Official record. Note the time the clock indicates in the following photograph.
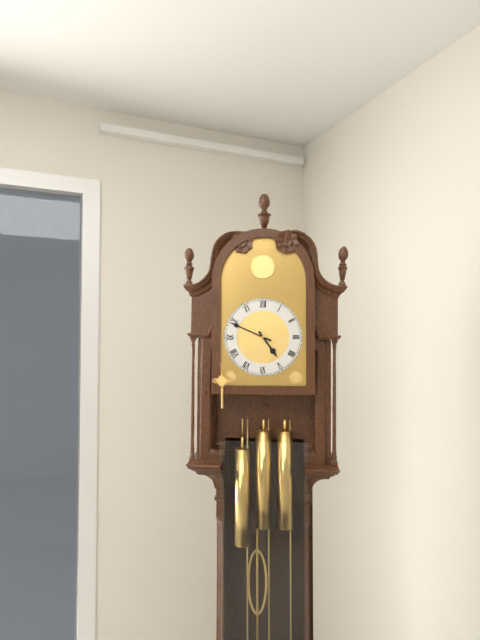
4:49
